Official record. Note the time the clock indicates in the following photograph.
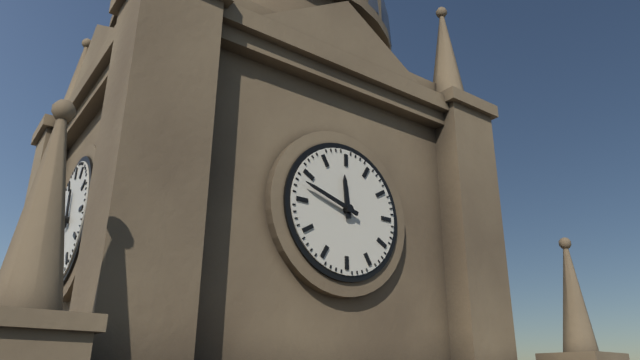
11:48
